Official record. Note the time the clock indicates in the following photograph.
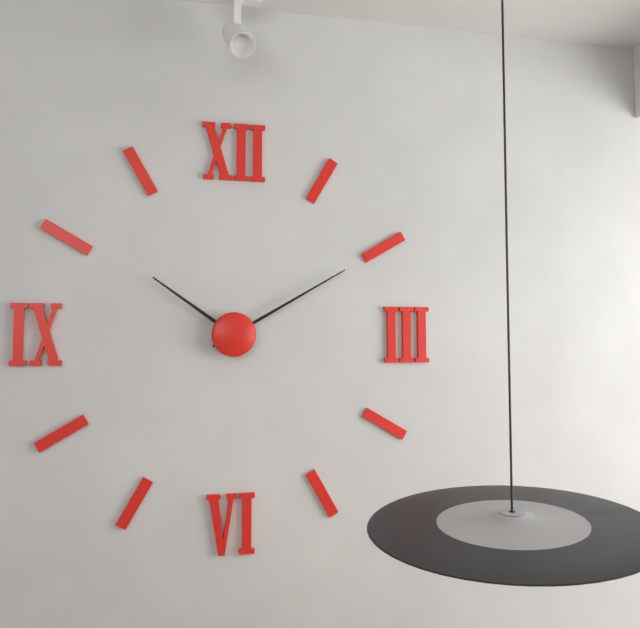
10:10
